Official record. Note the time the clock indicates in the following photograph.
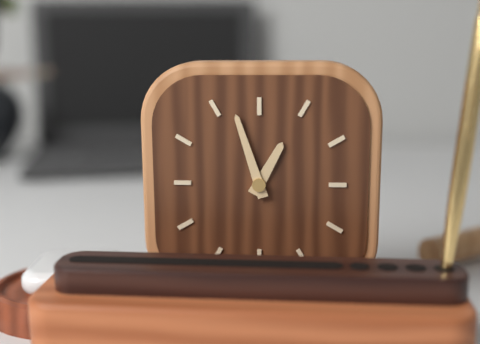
12:57
